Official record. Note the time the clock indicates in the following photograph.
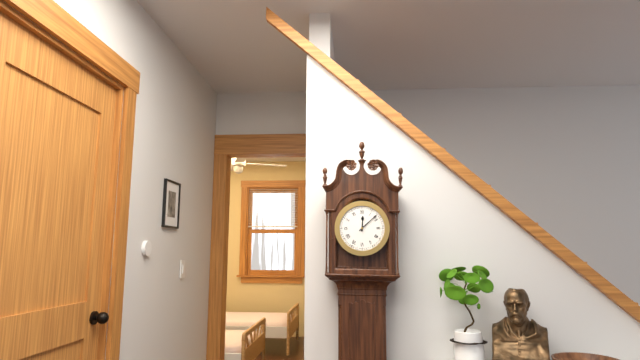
12:08
